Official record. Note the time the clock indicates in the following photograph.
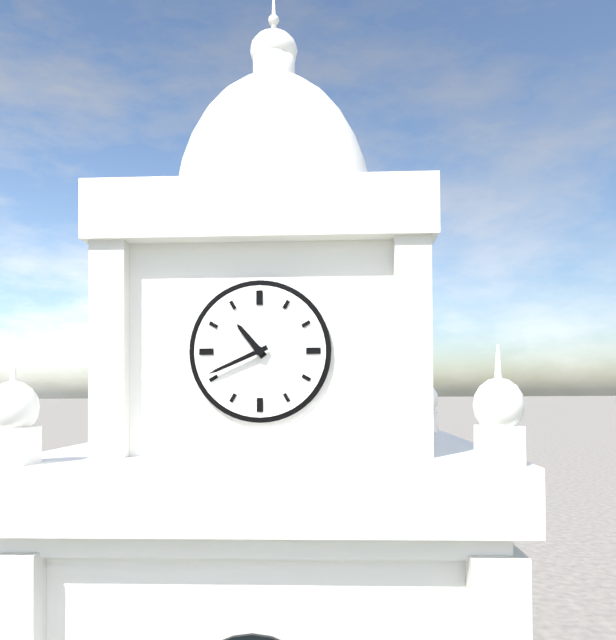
10:41
